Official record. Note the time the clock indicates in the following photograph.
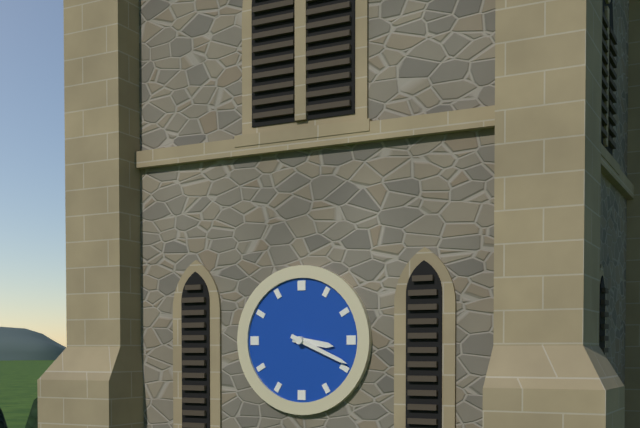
3:19
